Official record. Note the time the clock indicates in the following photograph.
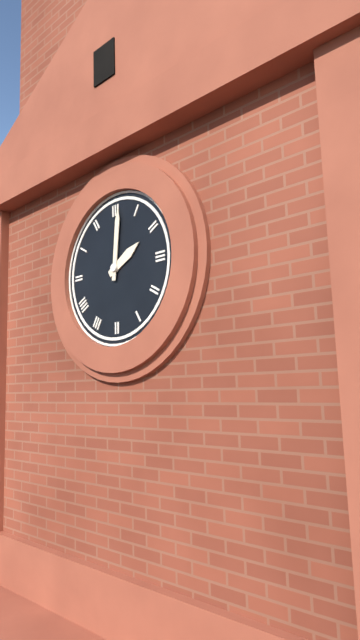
2:01
